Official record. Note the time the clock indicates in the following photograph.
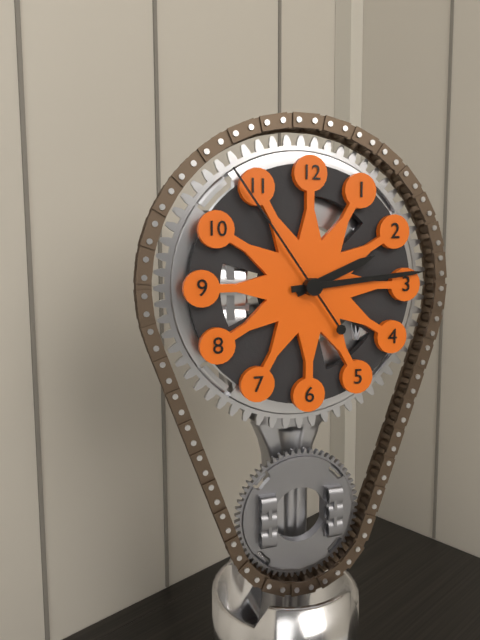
2:14:54
